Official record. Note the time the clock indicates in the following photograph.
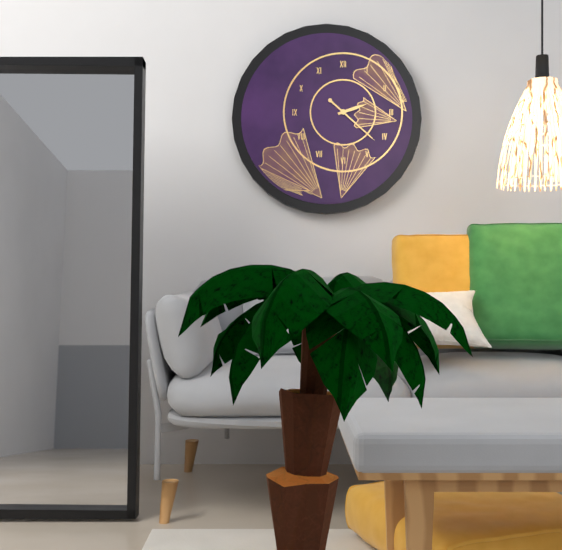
2:22
